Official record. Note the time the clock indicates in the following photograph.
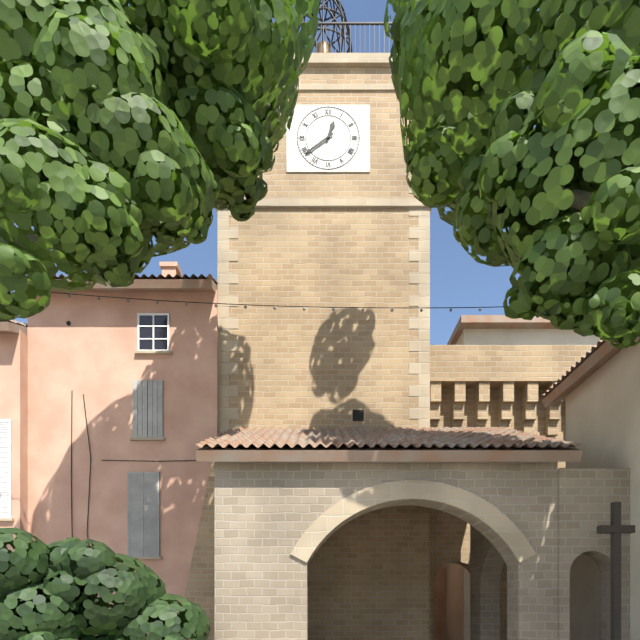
12:39
